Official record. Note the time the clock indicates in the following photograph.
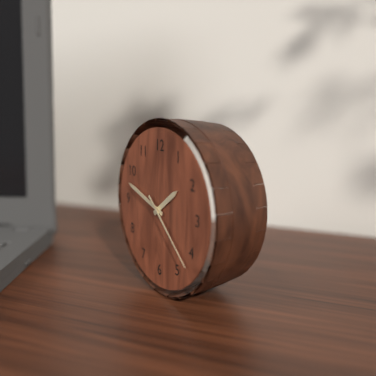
1:48:22
